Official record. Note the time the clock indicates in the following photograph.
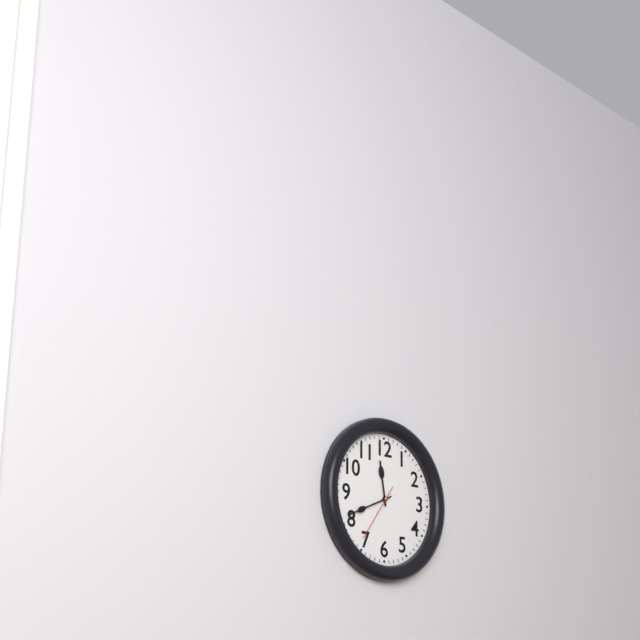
11:41:36
